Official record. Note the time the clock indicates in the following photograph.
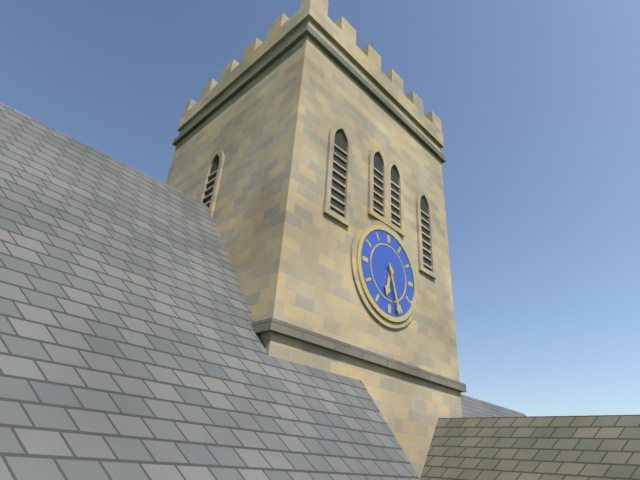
6:27
